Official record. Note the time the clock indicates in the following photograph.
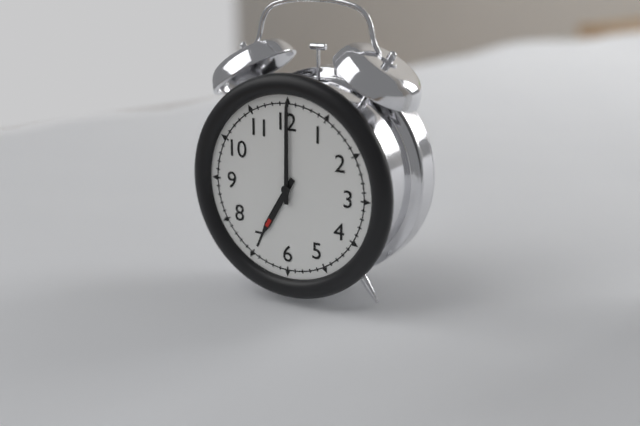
7:00
